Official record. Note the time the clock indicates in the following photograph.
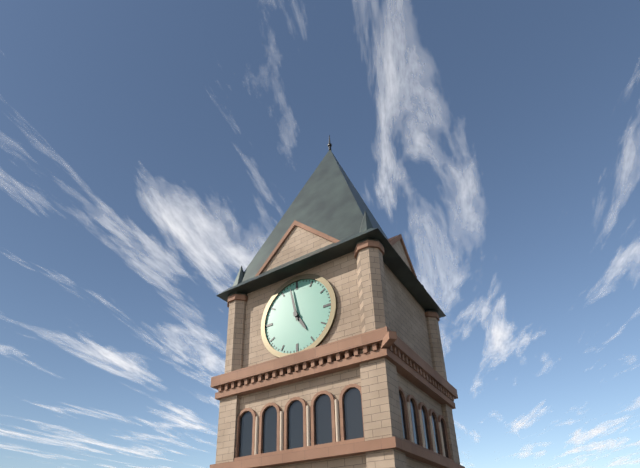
4:58
